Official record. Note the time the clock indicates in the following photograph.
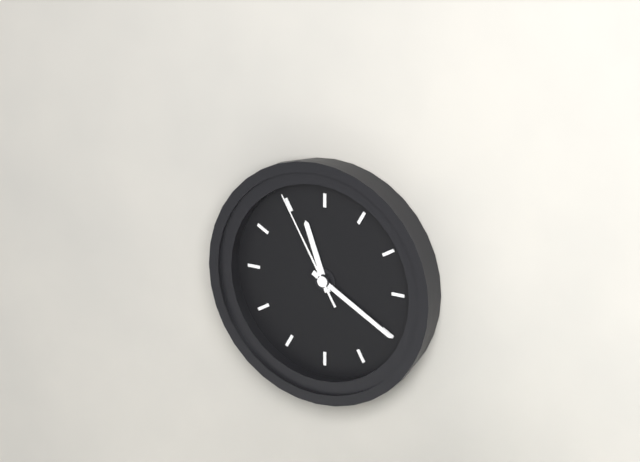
11:20:55
